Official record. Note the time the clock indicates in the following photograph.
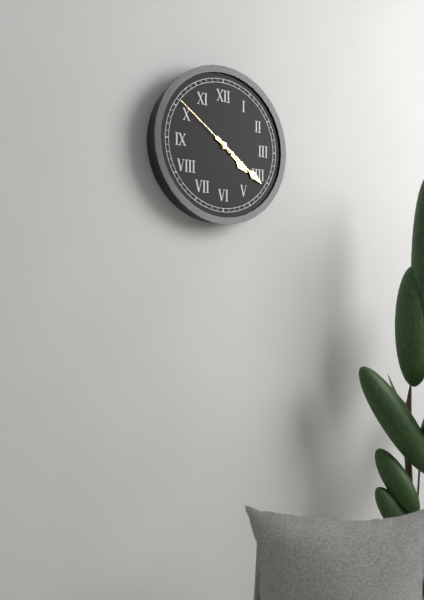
4:21:51
